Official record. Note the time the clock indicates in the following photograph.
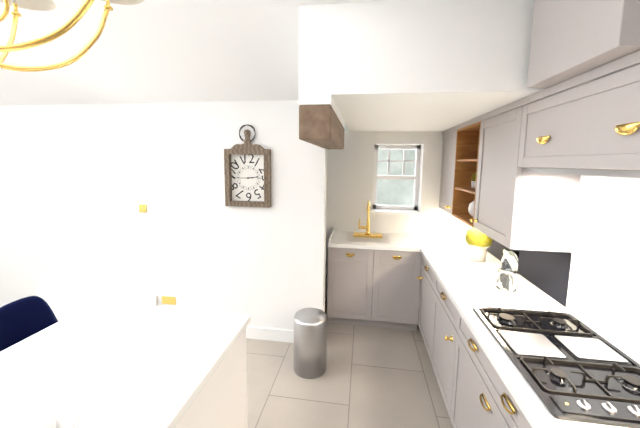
2:45
